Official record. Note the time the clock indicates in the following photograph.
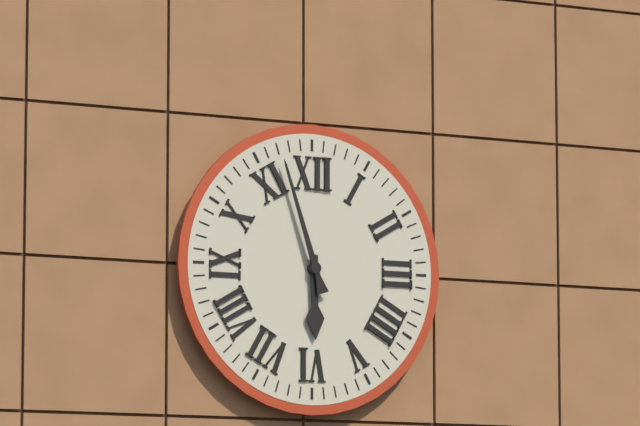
5:57
